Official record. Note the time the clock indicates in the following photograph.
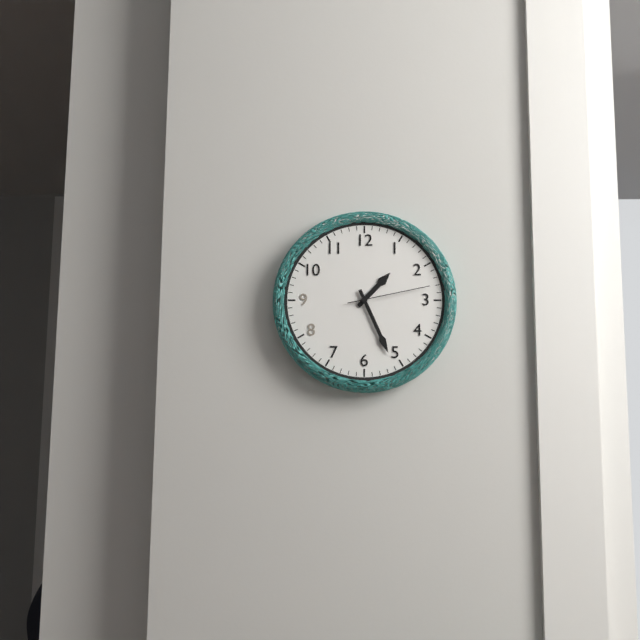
1:26:13
